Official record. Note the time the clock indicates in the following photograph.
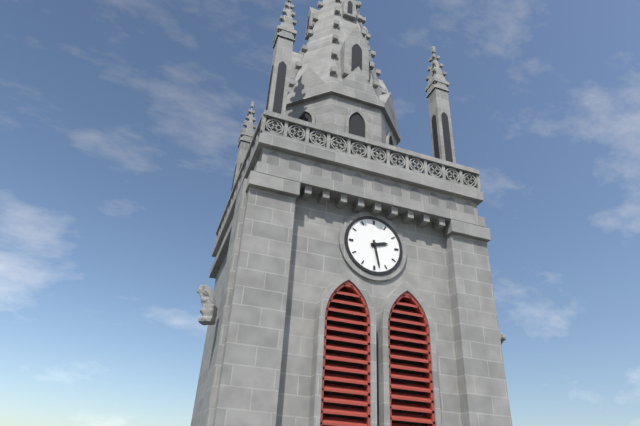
2:28
